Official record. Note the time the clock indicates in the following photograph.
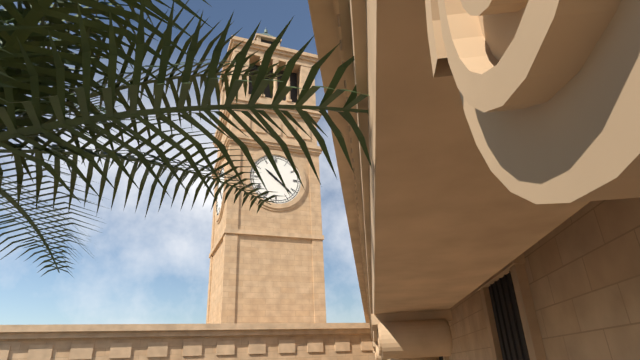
10:22
